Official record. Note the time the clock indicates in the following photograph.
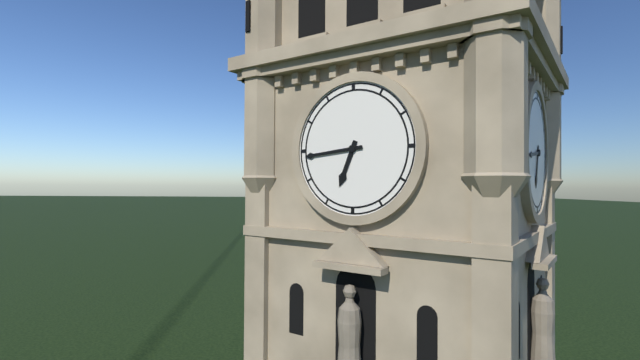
6:44
